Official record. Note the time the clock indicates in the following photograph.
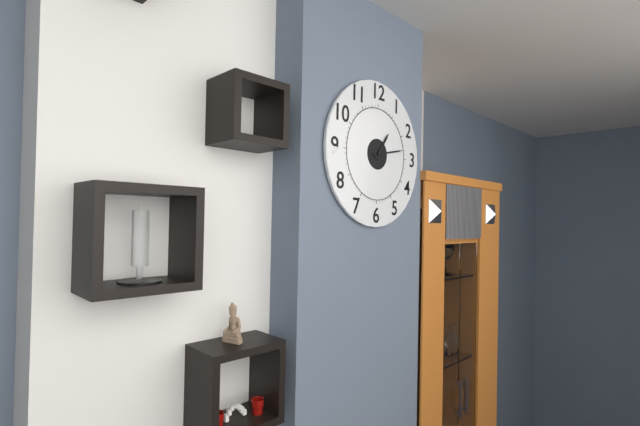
1:13
